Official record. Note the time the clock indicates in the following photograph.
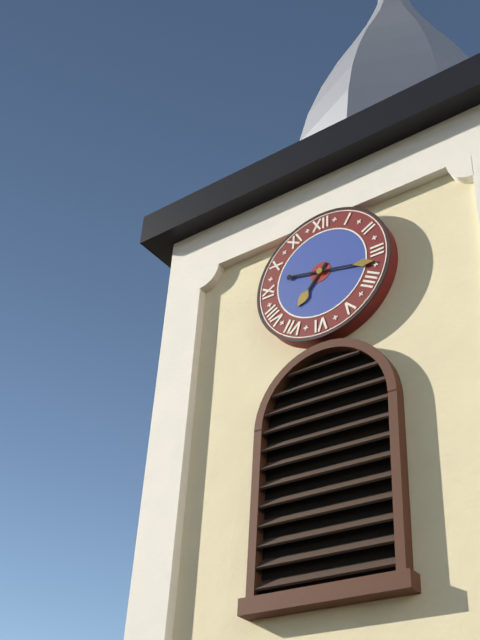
7:17
